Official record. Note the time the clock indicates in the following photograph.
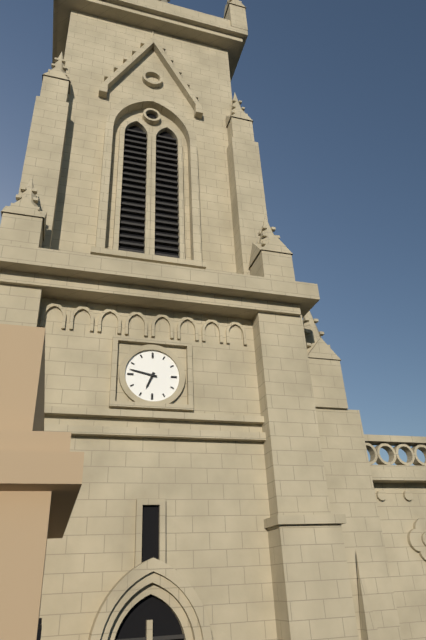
6:47
